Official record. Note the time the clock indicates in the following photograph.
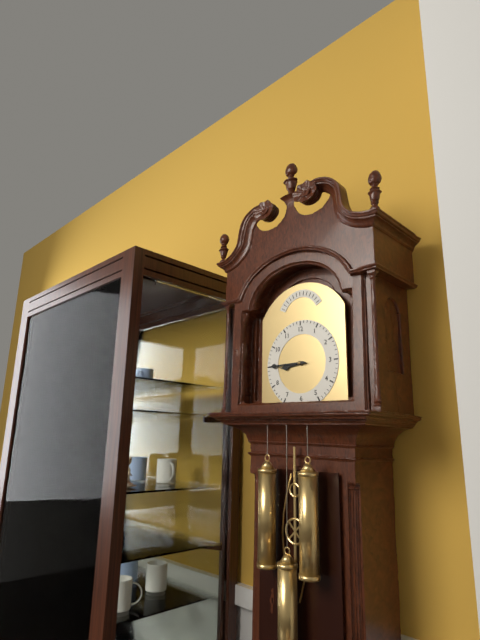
8:45
